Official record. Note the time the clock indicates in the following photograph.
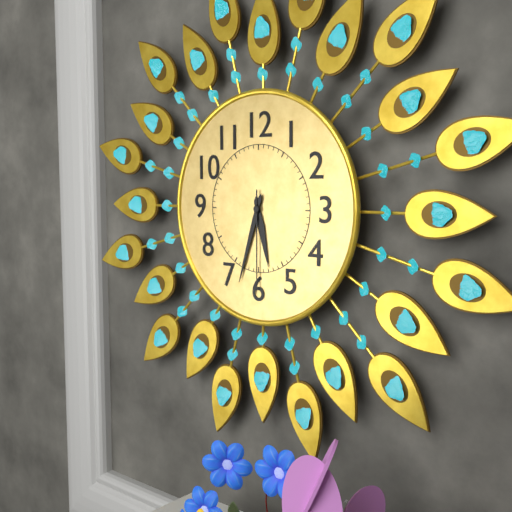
5:33:30
